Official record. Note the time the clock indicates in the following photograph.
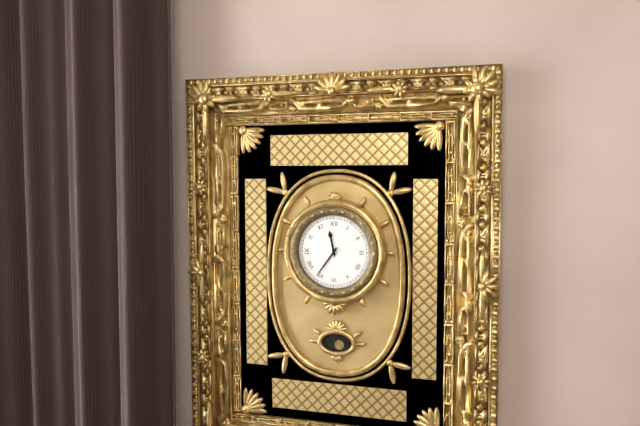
11:36
